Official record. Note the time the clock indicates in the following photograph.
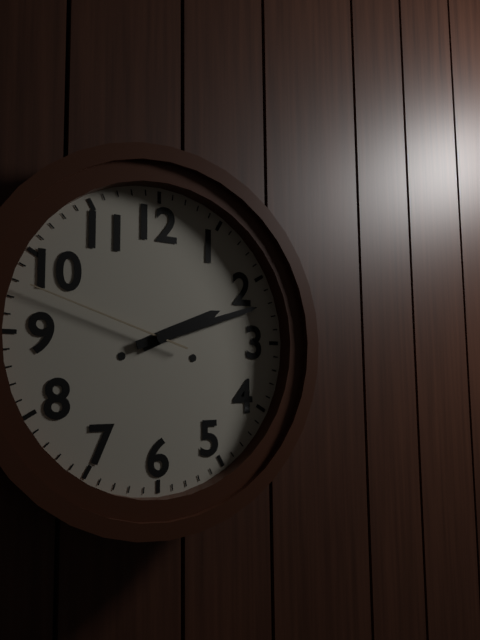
2:12:48
